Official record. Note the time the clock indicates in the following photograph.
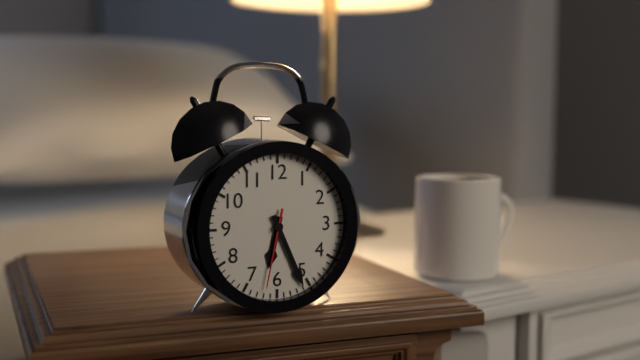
6:26:32
